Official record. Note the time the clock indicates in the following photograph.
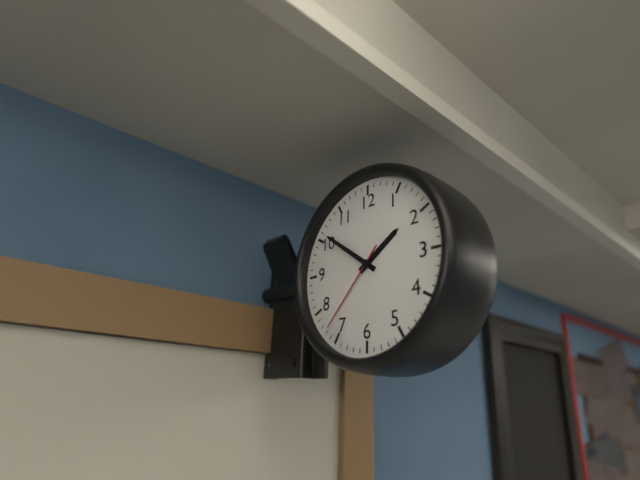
1:51:37
